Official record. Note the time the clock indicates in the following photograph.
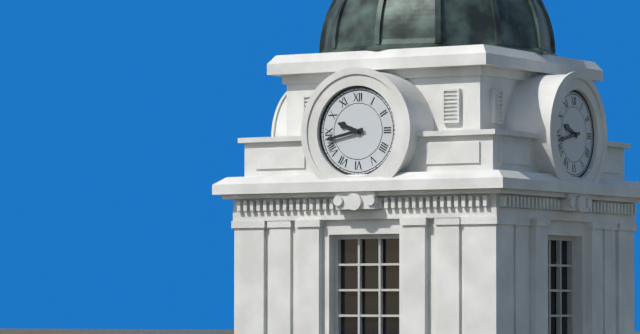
9:43
